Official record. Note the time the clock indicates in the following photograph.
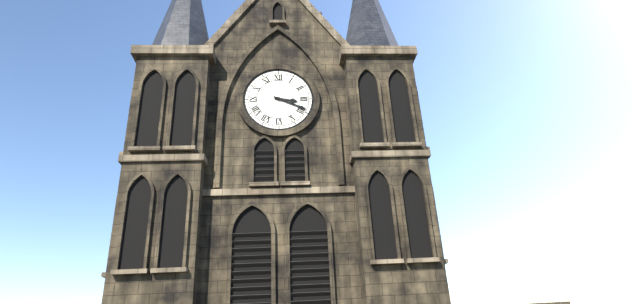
3:19
